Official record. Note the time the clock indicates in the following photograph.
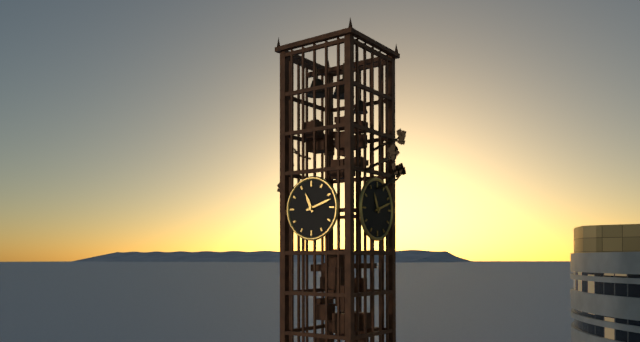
11:12
